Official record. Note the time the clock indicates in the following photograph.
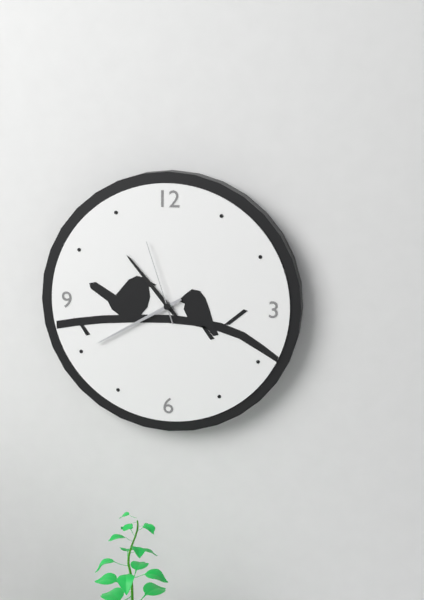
10:40:57
